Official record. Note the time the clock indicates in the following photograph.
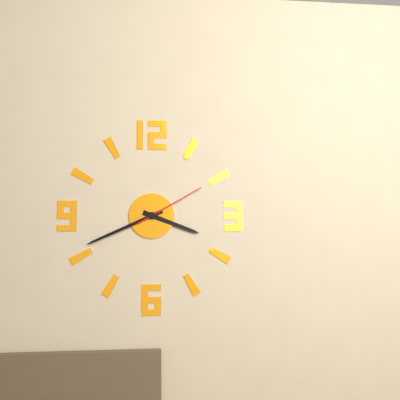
3:41:10
